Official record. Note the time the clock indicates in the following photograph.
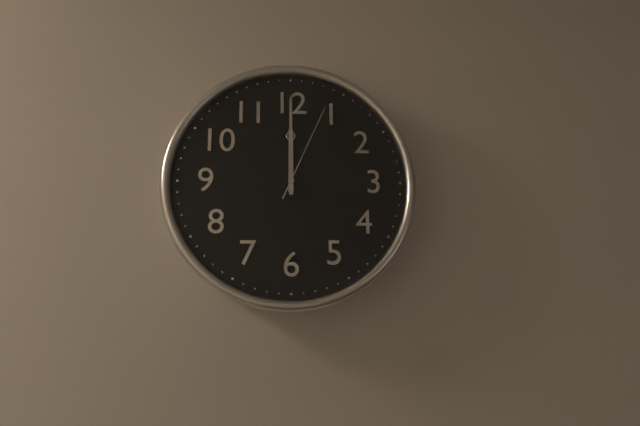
12:00:04
